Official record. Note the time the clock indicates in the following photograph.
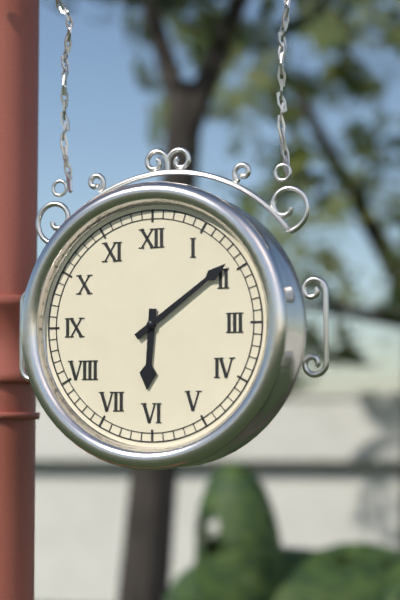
6:09
